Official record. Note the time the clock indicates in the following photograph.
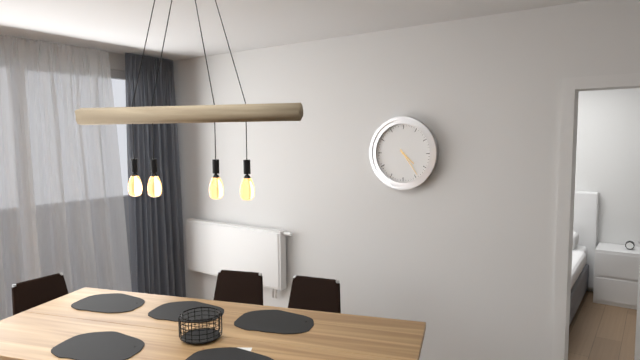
4:24
